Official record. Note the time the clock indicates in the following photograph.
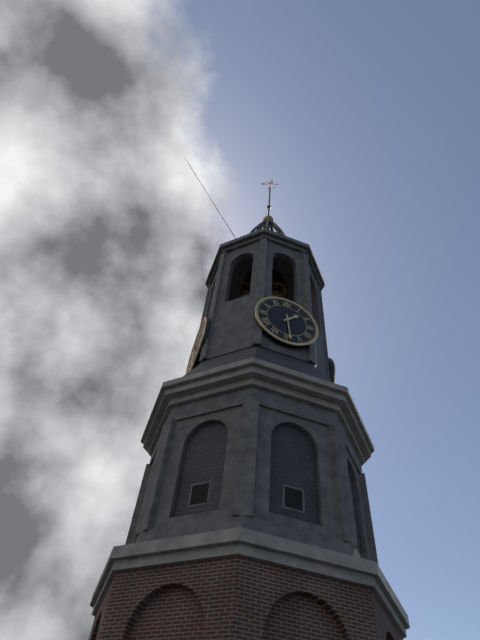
1:29
